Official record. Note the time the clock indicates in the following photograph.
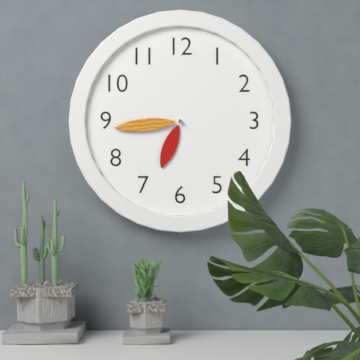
6:44
